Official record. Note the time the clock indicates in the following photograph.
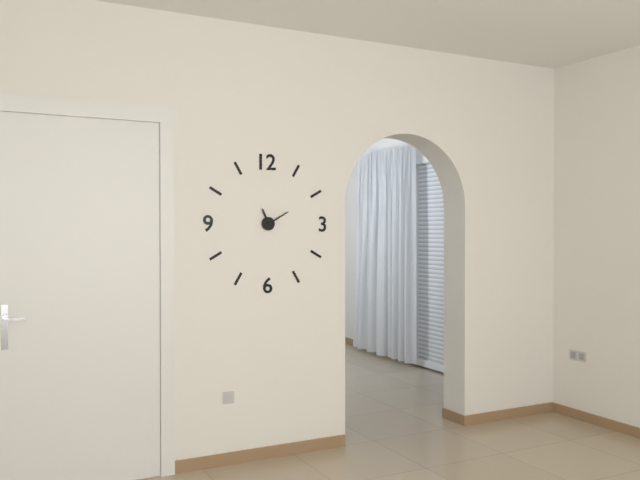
11:10
